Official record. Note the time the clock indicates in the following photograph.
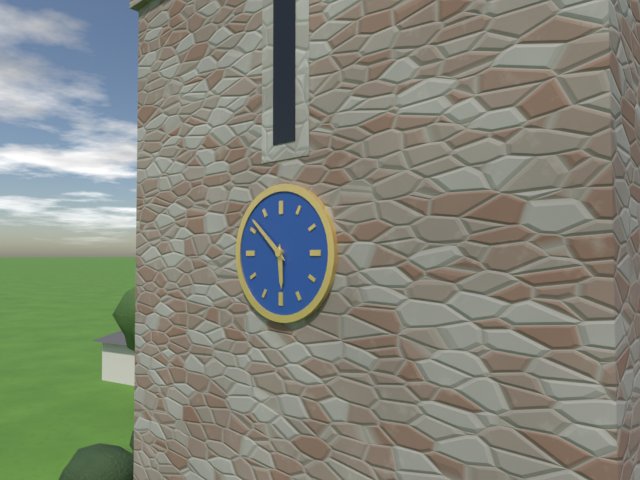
5:52
